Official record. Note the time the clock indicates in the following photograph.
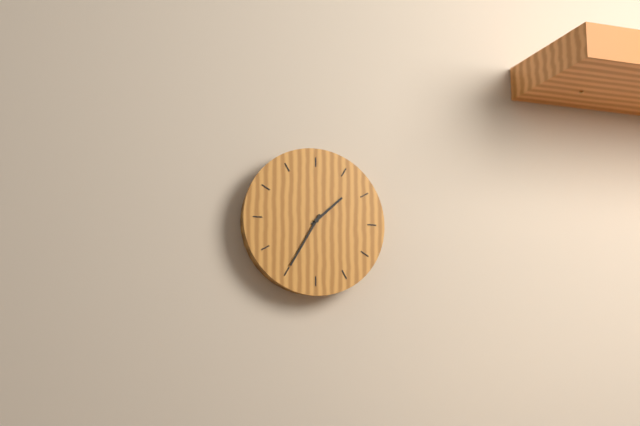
1:35
